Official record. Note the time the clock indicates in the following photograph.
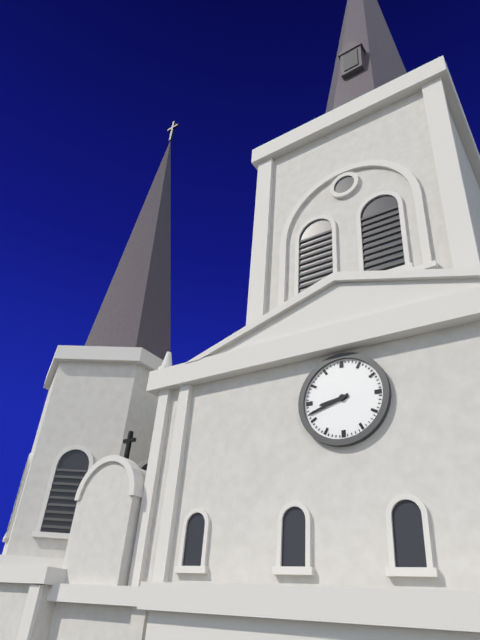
8:42
